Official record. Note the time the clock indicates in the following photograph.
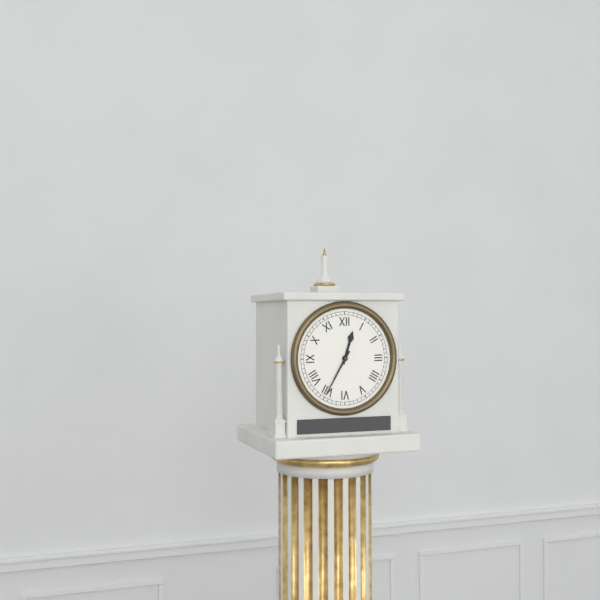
12:35
